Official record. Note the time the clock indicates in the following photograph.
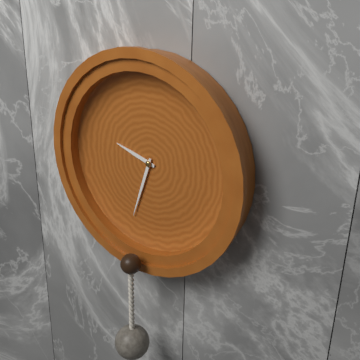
9:33
